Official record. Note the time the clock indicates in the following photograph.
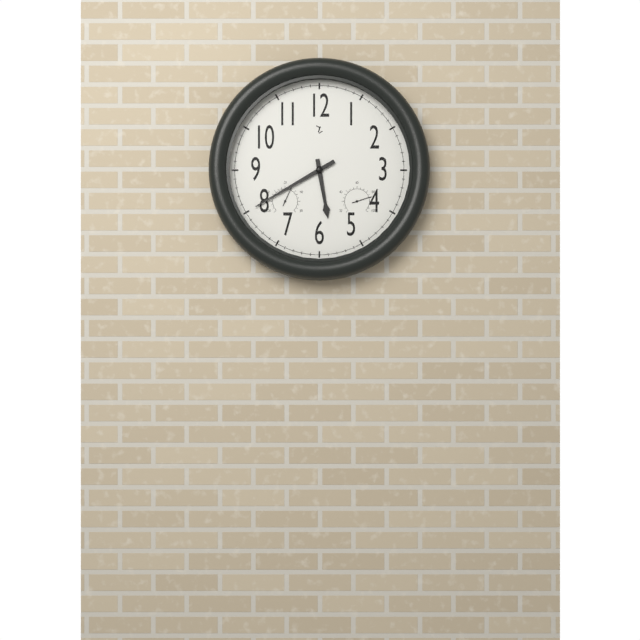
5:40
